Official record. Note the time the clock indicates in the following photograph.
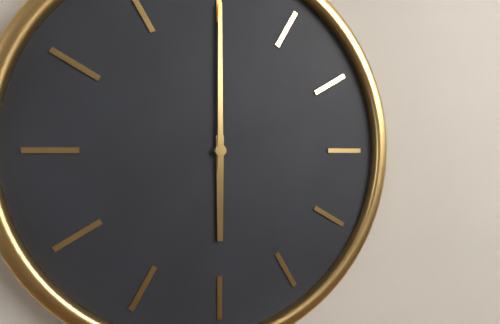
6:00
